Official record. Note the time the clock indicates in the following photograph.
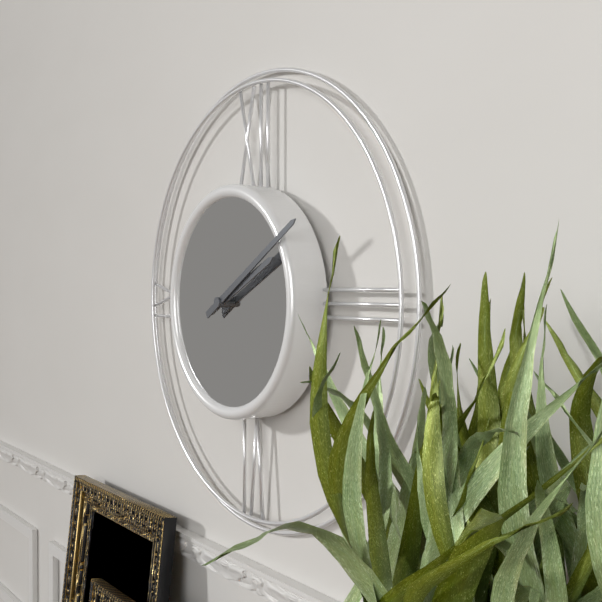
2:10
